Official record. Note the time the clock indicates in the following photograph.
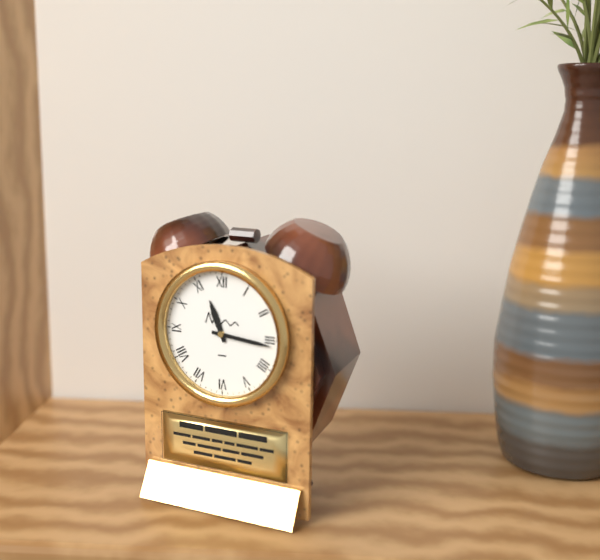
11:16
